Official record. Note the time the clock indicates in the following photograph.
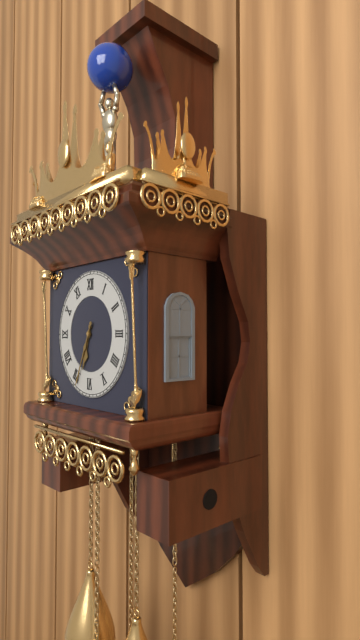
6:34
